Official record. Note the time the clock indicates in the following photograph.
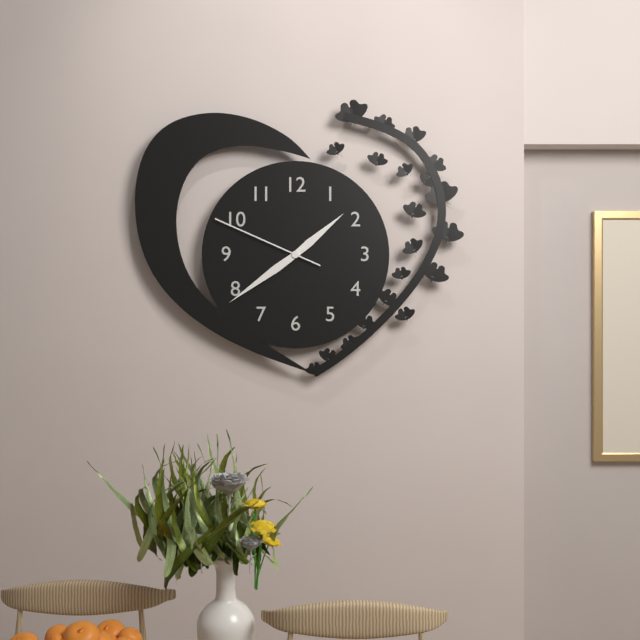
1:39:49
